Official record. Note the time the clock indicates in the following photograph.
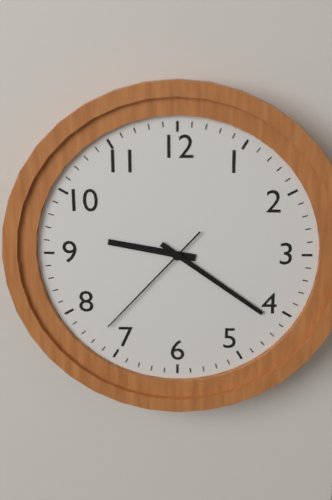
9:21:37
